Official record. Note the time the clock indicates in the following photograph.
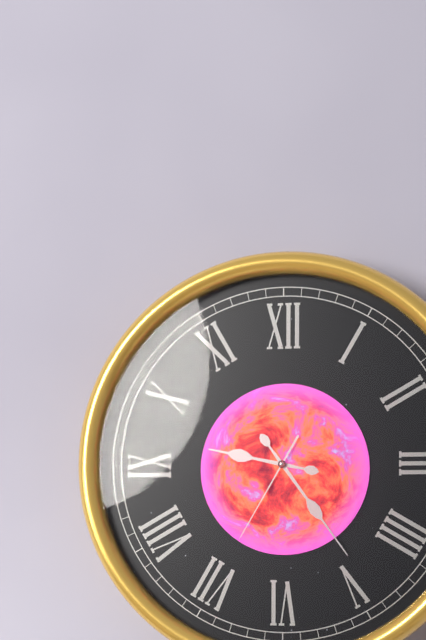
9:24:35
